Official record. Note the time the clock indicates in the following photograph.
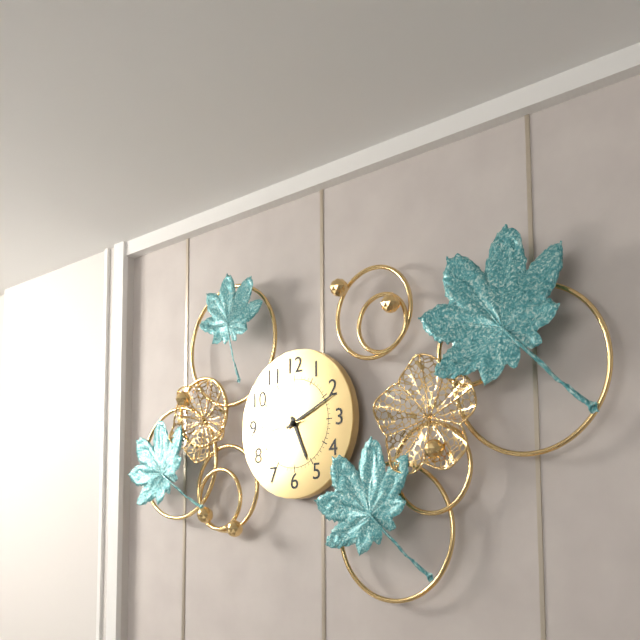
5:11:44
